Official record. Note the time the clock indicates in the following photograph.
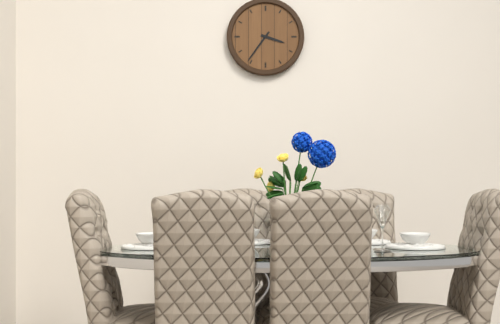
3:36
